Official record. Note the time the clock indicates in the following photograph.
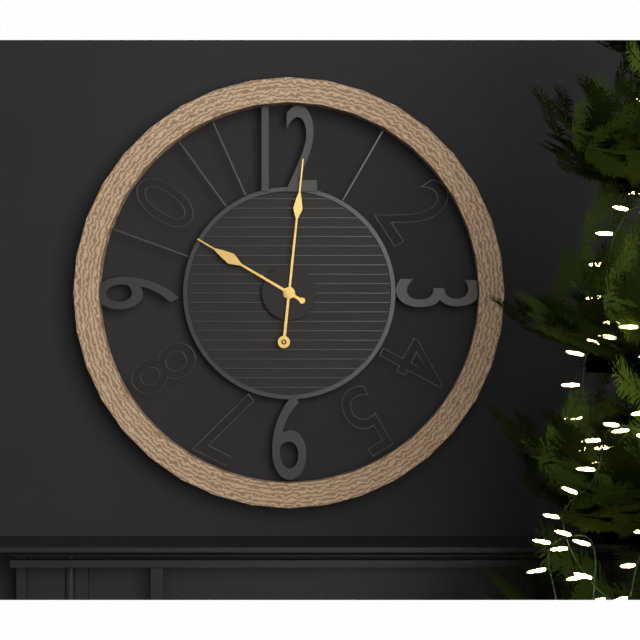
10:01
